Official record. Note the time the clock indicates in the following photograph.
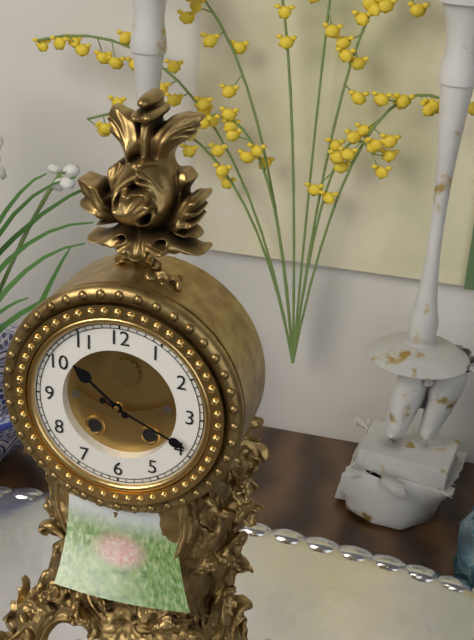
10:19
